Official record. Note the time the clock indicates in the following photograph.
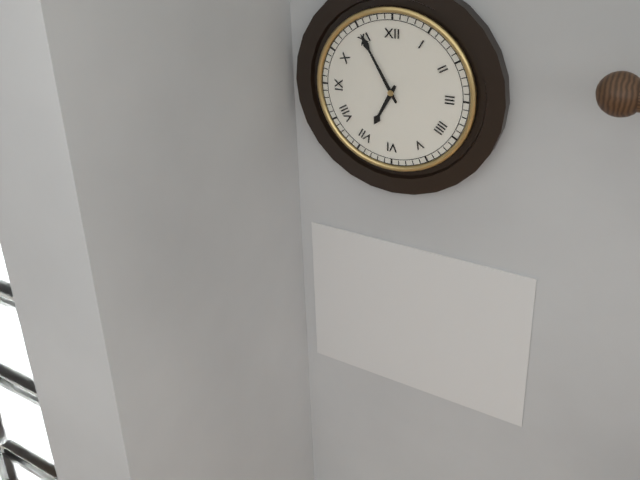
6:55
